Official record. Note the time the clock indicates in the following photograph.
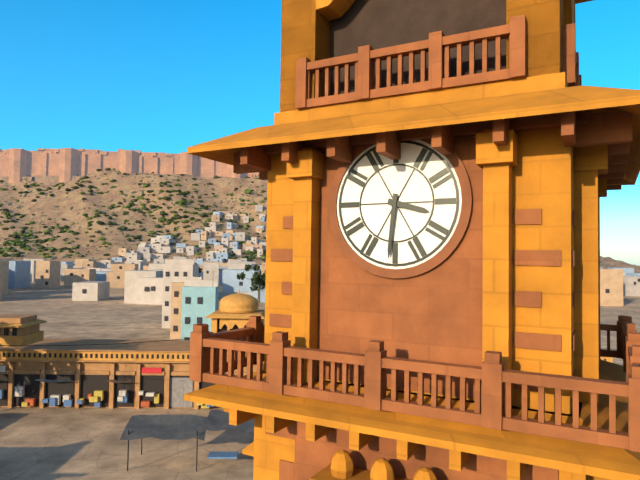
3:31
